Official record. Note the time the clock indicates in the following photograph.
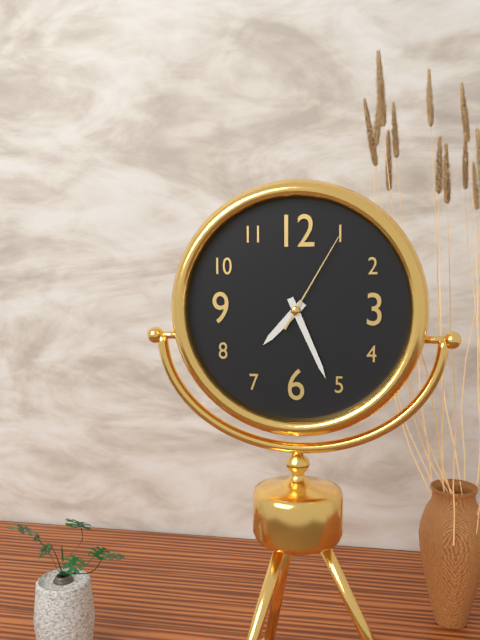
7:26:05
